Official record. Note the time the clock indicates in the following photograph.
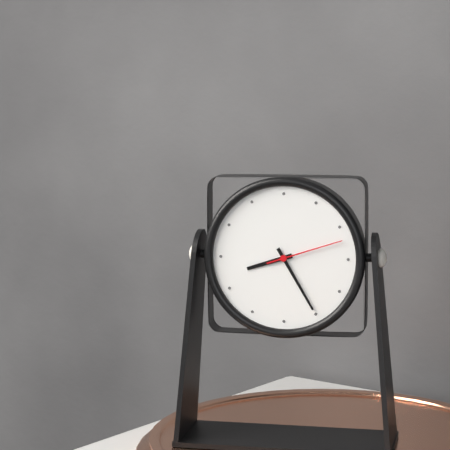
8:25:12
